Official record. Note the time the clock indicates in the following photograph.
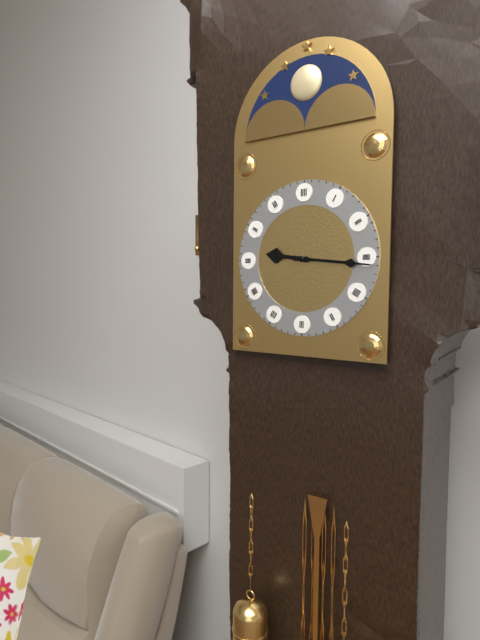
9:16
